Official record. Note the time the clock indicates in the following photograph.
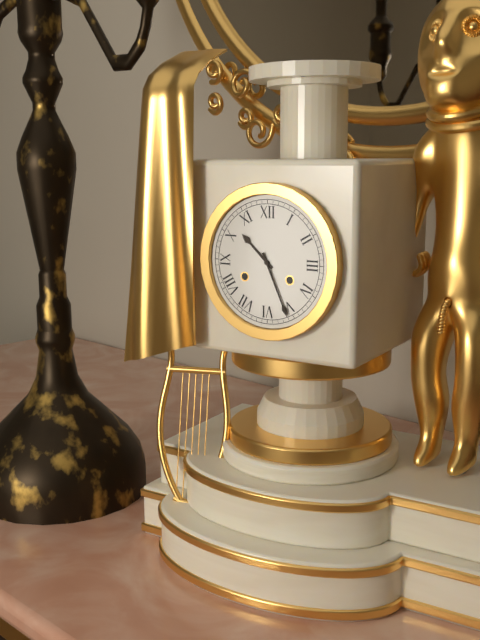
10:26
